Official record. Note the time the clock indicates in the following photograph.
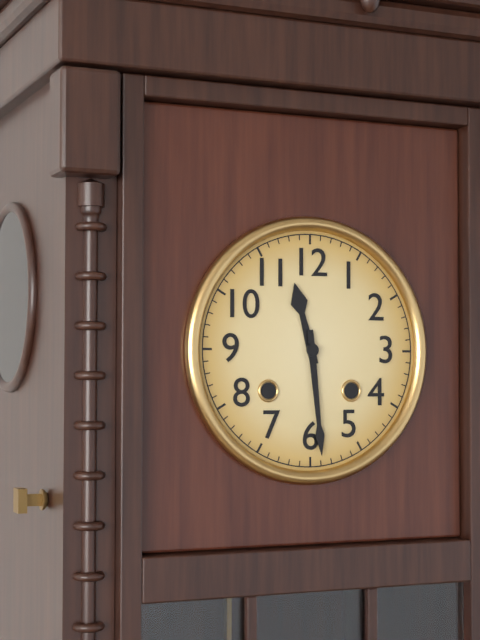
11:29
